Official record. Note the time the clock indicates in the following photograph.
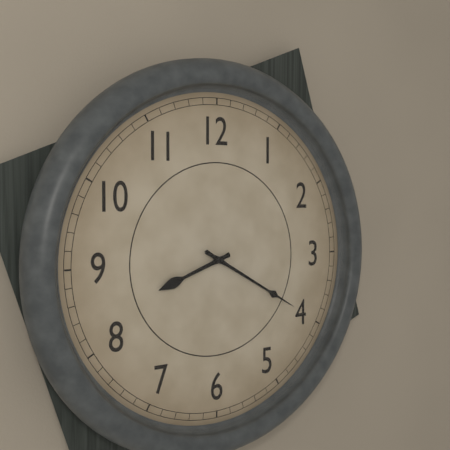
8:20
